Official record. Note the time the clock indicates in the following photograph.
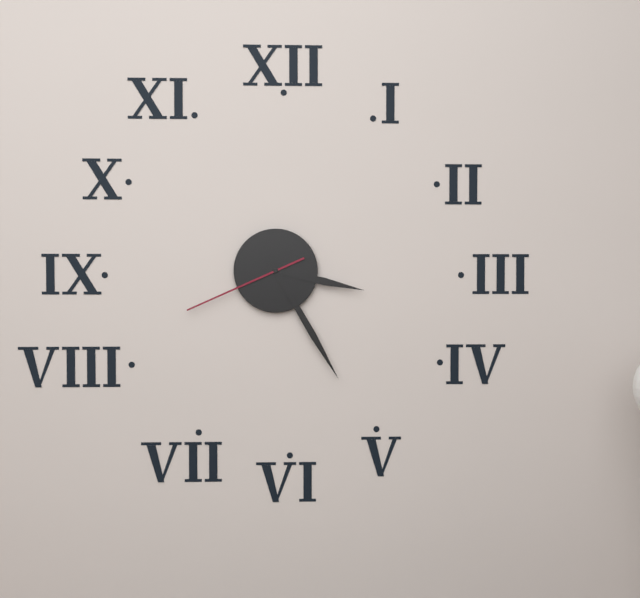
3:25:41
